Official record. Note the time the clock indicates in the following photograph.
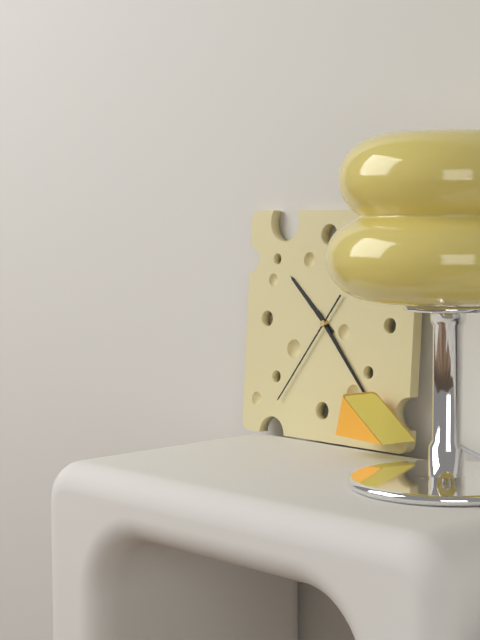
10:23:36
